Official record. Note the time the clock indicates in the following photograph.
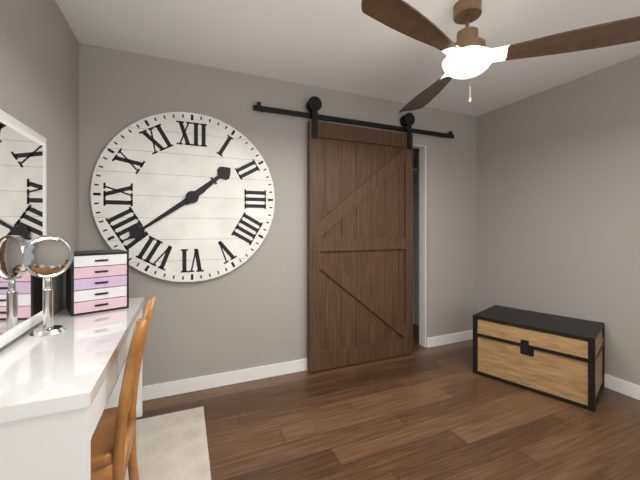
1:39
